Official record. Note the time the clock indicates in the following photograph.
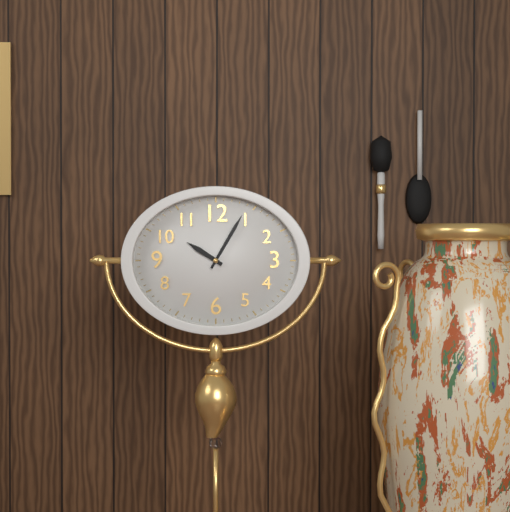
10:05
